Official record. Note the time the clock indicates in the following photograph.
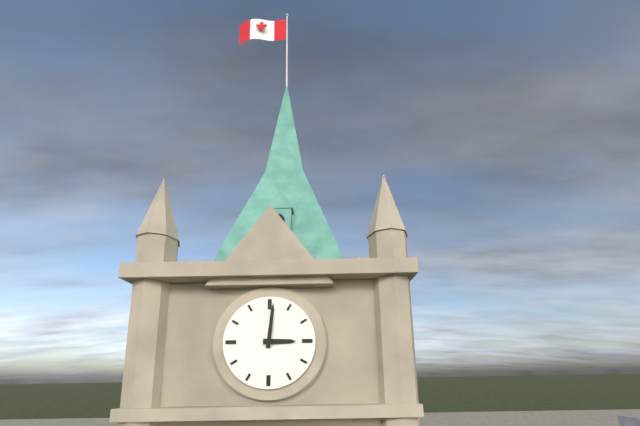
3:01
